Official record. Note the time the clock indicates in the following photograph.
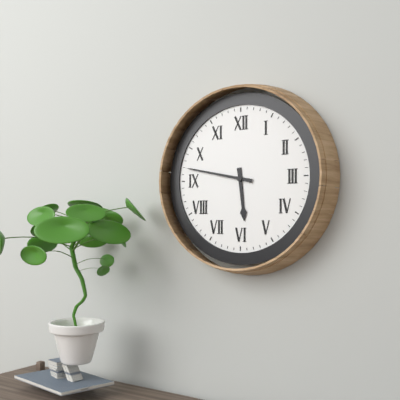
5:47
